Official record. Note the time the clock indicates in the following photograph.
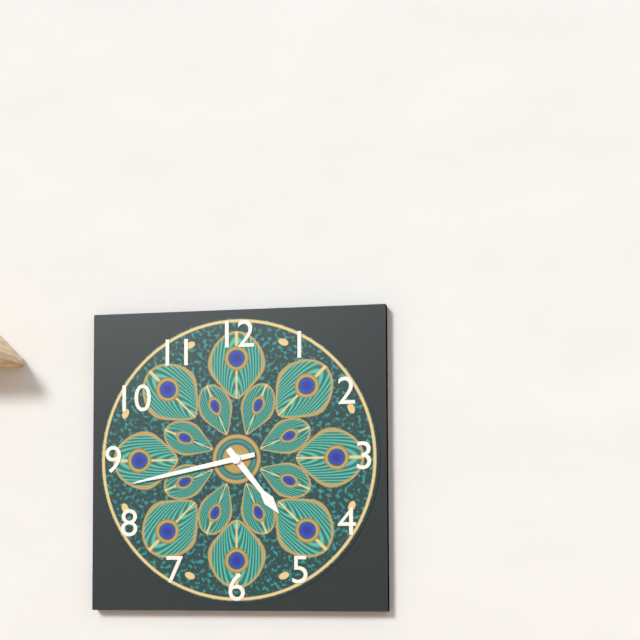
4:43
